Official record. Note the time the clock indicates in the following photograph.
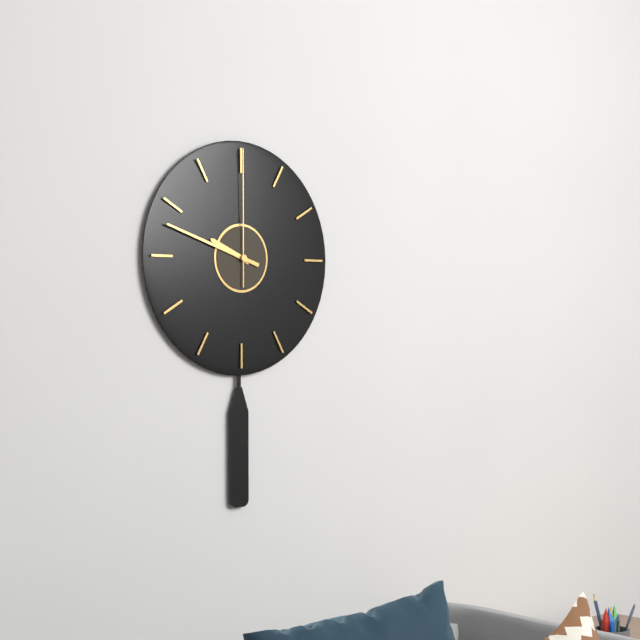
9:48:00
